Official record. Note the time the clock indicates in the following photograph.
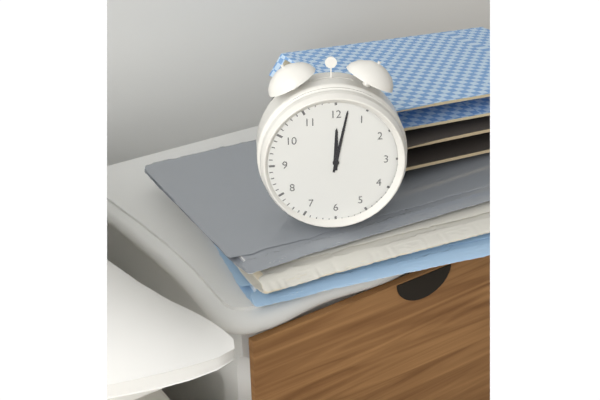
12:02
